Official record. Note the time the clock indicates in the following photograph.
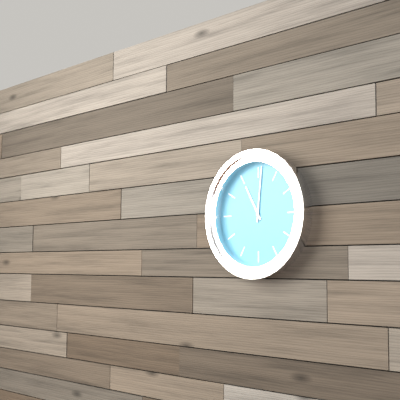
11:01
